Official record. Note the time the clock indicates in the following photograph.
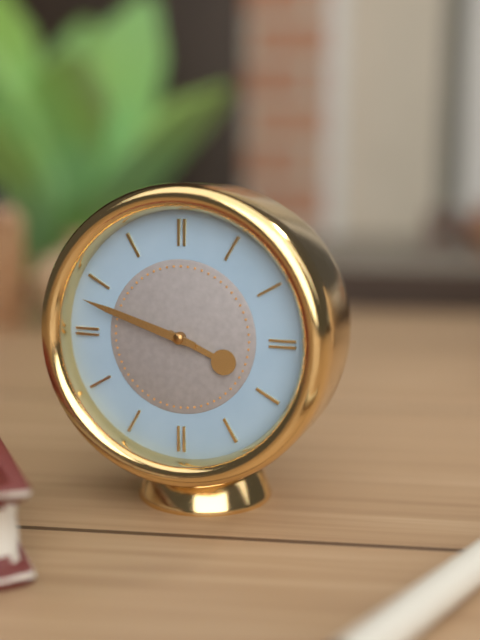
3:48
